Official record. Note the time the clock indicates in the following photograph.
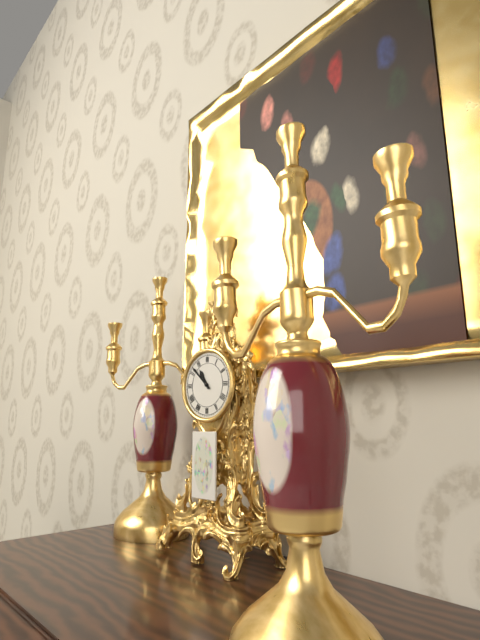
10:52
